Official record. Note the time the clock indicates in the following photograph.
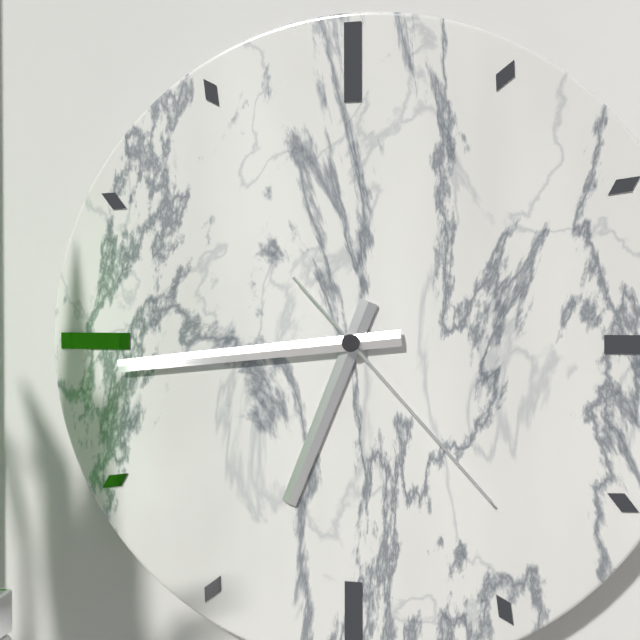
6:44:23
